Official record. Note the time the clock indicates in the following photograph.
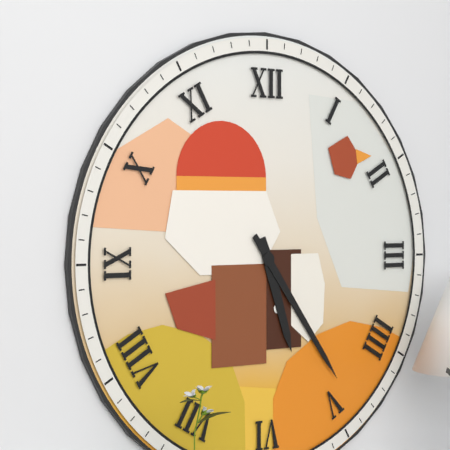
5:24
